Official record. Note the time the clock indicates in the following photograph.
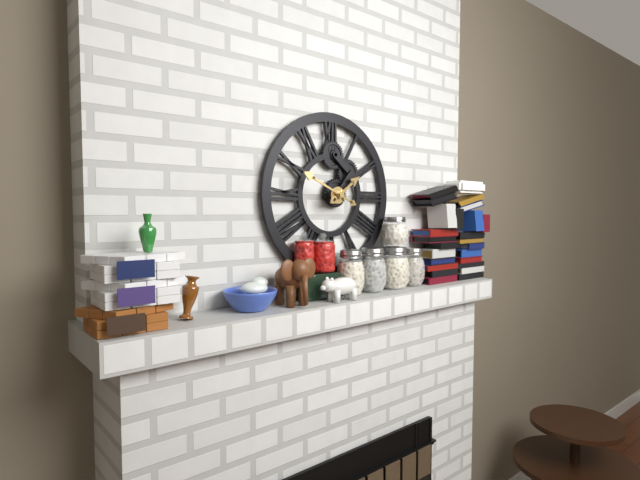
1:49
